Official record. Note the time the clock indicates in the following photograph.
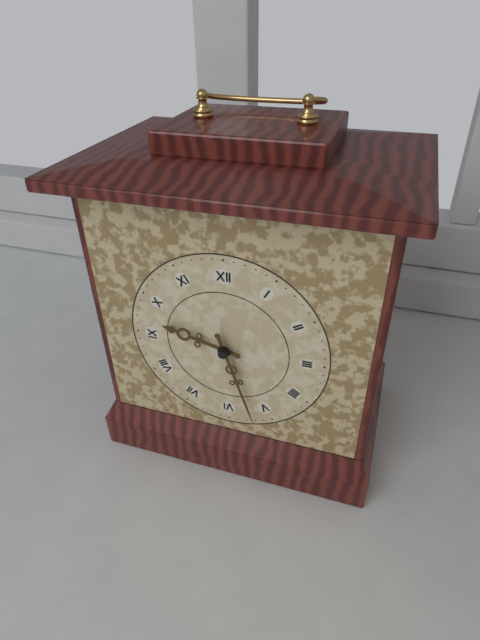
9:27
